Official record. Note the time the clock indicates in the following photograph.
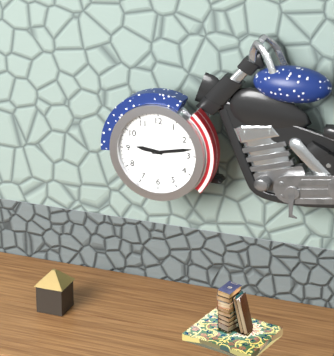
9:13
